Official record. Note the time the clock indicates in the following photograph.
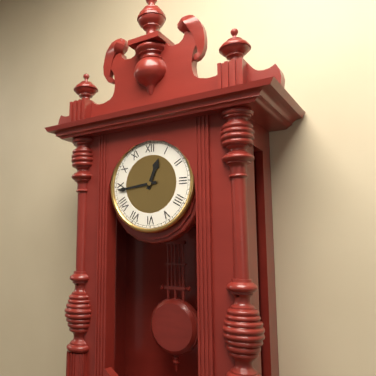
12:44
